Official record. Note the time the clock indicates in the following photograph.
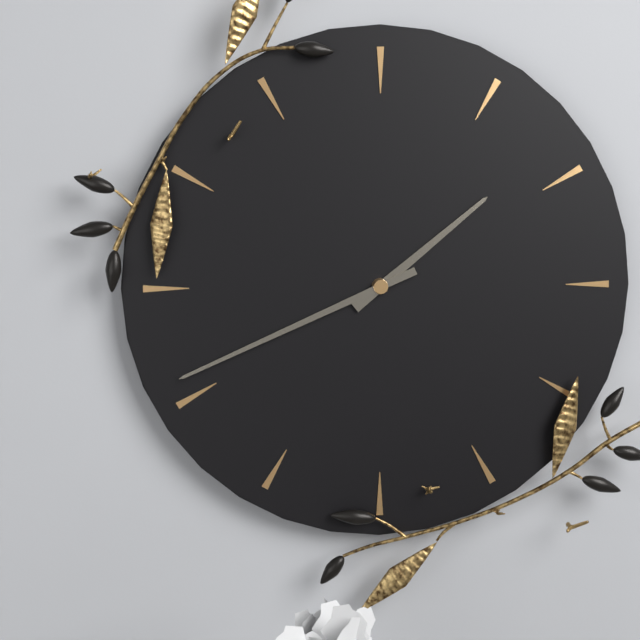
1:41
